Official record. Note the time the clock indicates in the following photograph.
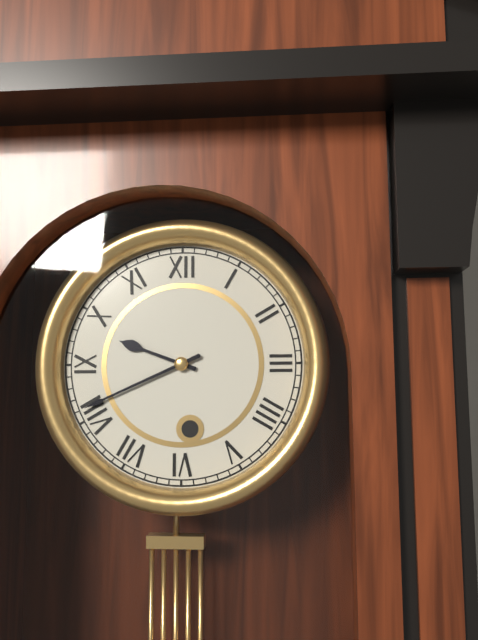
9:41
